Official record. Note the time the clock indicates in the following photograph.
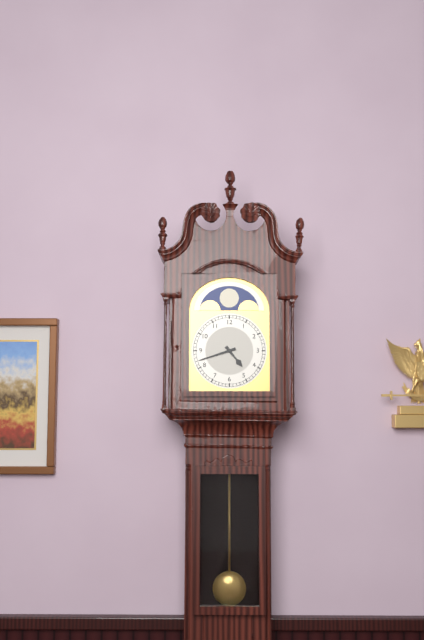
4:42
